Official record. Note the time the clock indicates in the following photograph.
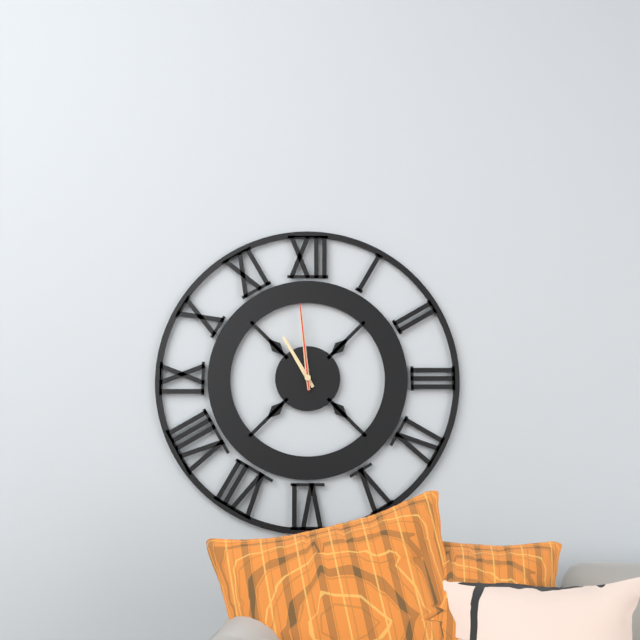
10:59:59
